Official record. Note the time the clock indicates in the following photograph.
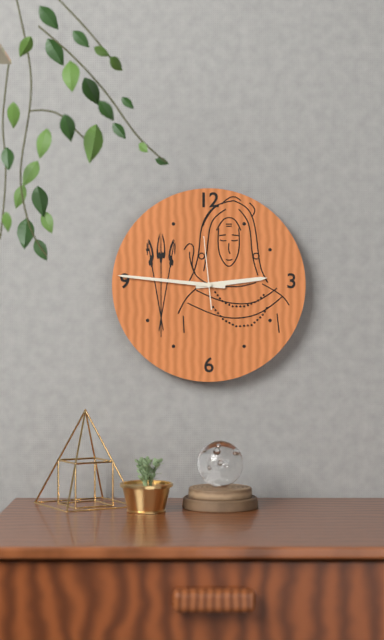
2:46:59
